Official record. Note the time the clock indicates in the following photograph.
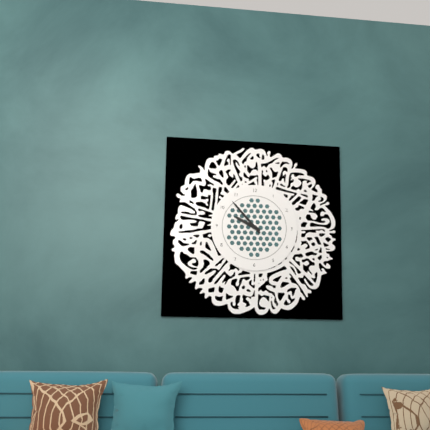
9:53
